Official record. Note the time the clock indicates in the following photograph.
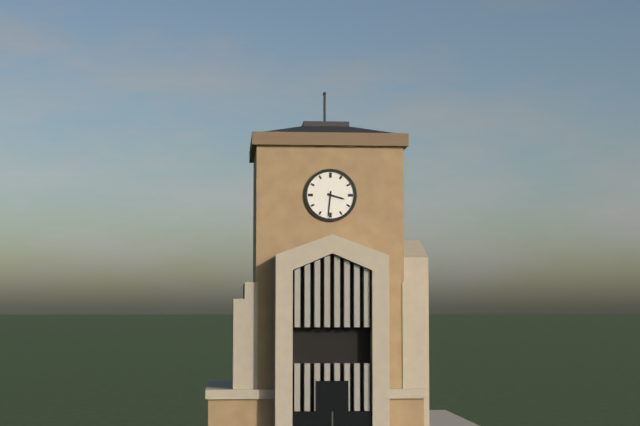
3:31
